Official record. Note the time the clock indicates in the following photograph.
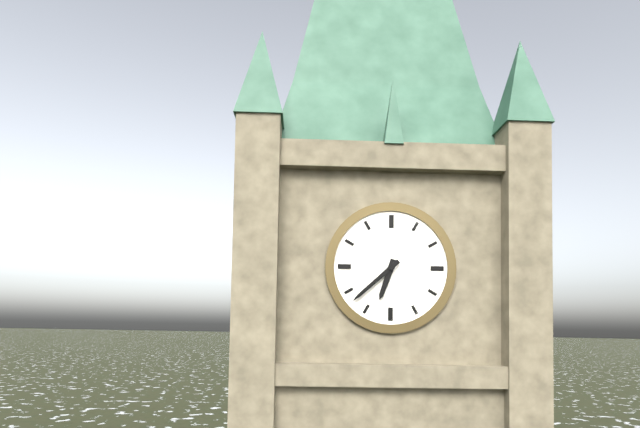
6:38
